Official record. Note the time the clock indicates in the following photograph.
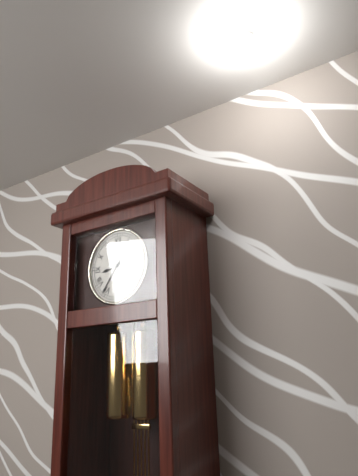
8:36
